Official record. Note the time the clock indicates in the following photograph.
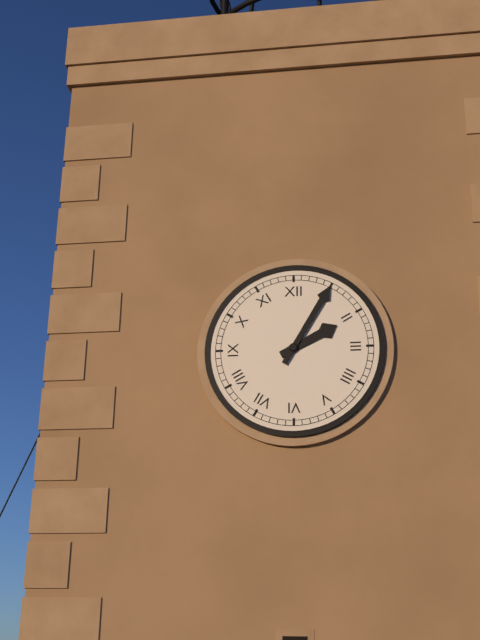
2:05
